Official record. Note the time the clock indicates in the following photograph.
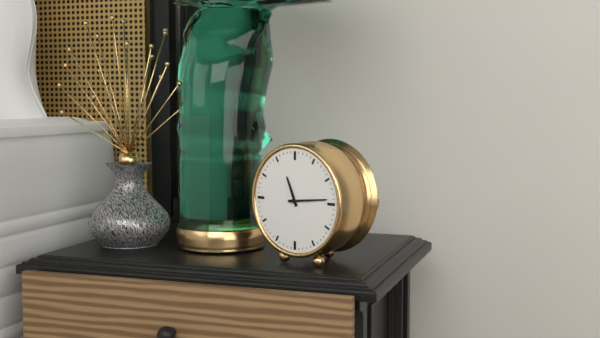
11:14
